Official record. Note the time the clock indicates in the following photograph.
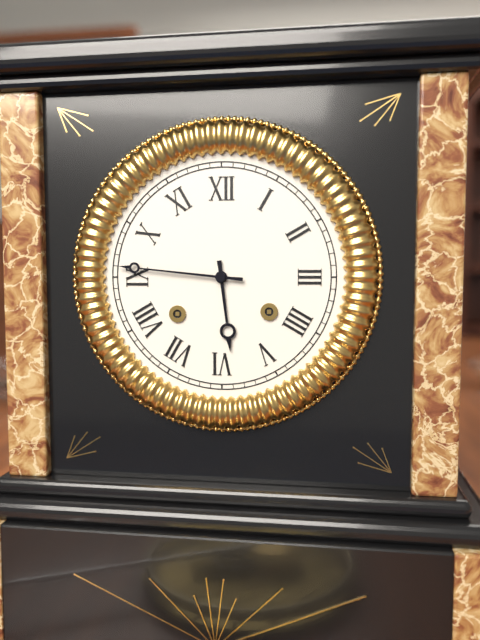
5:46
